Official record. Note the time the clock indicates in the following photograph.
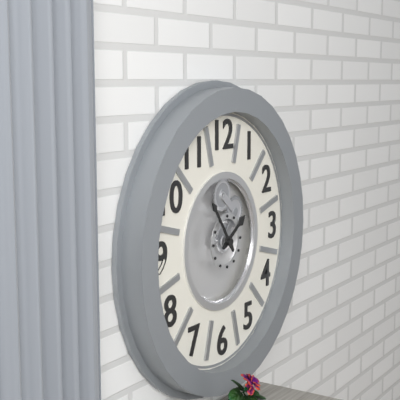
1:54
